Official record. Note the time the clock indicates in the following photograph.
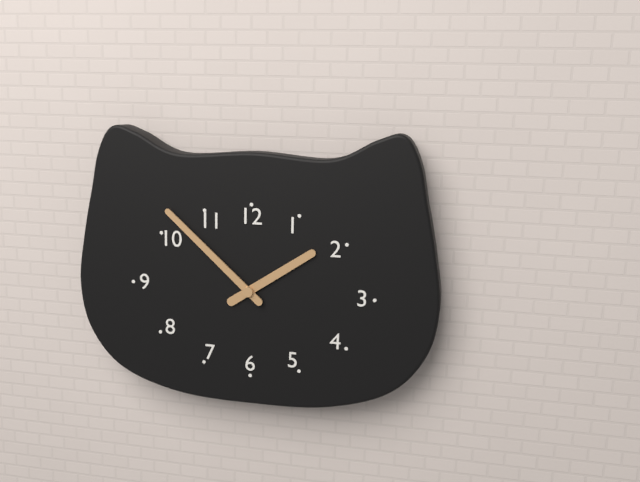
1:52
